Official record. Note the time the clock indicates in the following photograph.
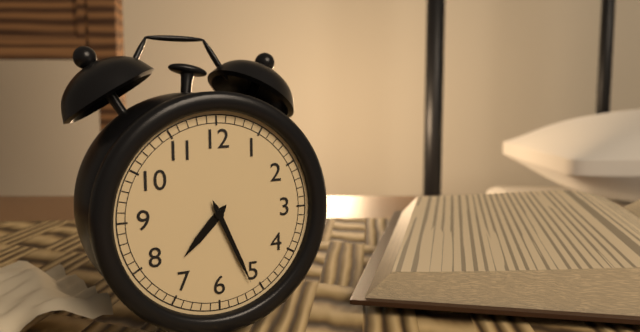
7:26
